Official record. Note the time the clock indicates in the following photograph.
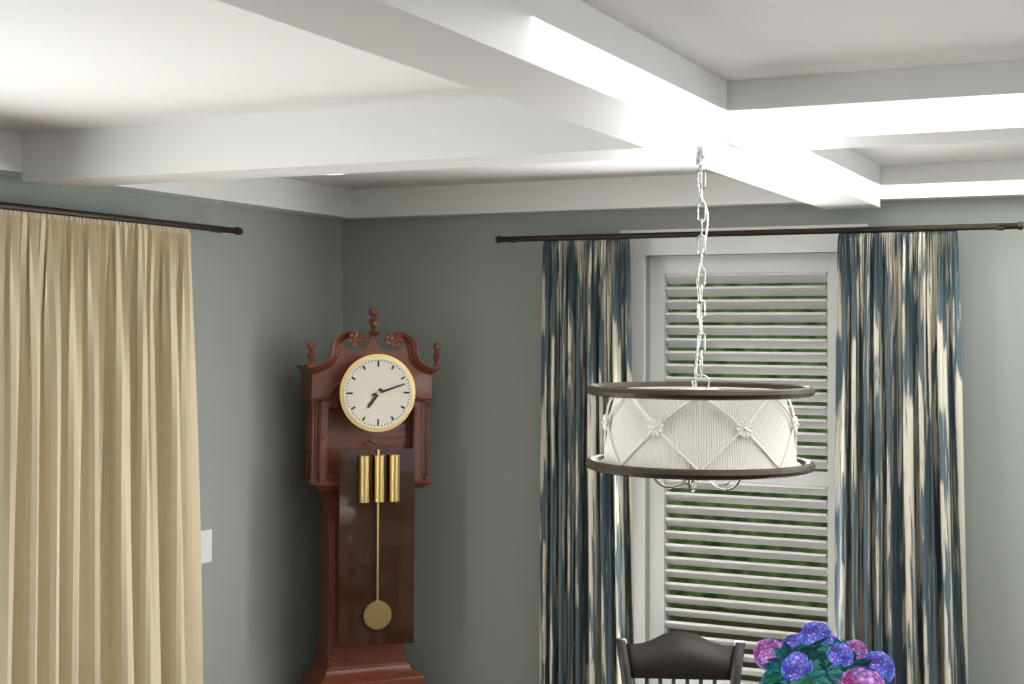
7:12
